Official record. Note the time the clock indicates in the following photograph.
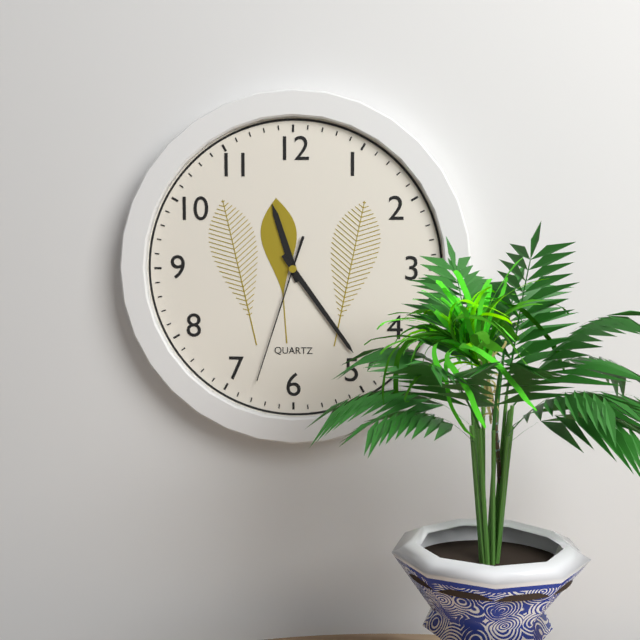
11:24:33
